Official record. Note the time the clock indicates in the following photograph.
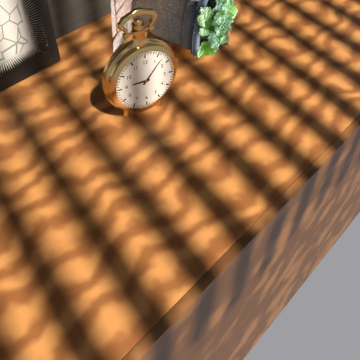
9:07
